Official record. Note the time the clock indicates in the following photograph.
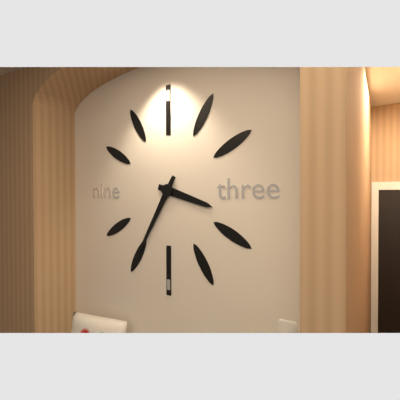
3:35
